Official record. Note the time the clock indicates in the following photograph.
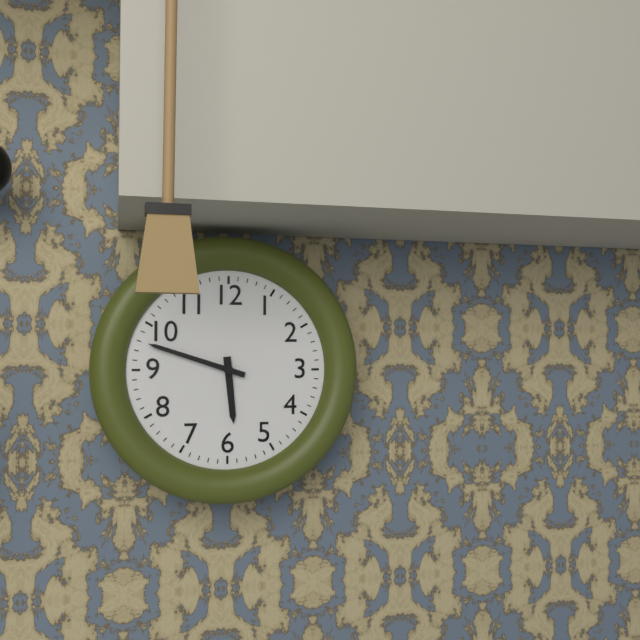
5:48
